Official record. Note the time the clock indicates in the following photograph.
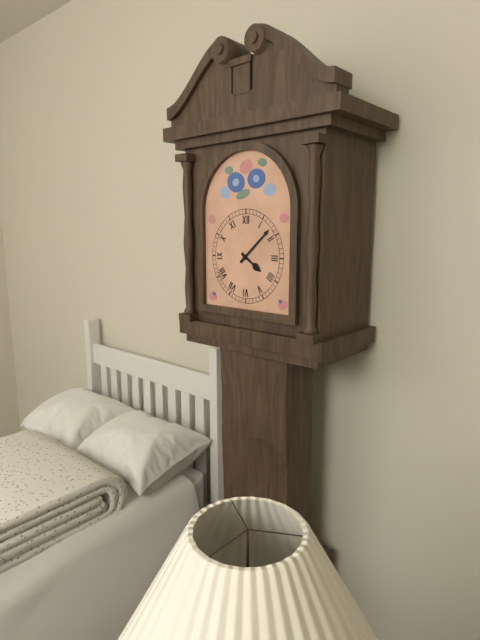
4:08
